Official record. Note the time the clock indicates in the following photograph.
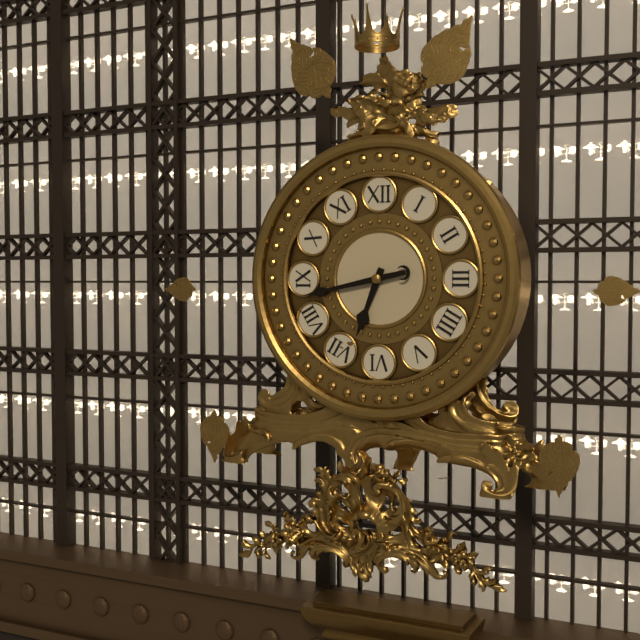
6:43
